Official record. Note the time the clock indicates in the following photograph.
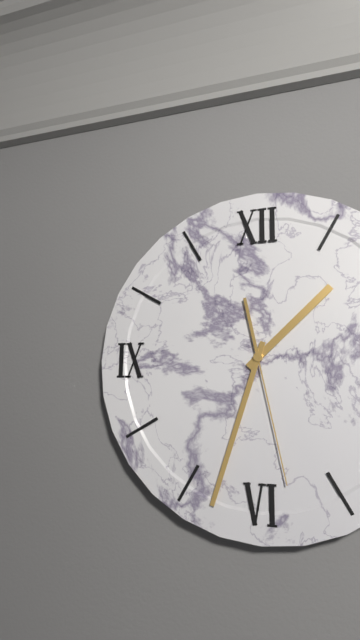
1:33:28
